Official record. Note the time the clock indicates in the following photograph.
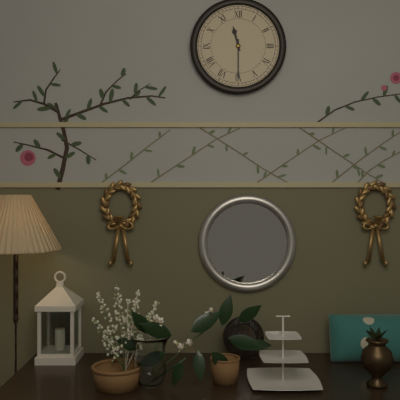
11:30
